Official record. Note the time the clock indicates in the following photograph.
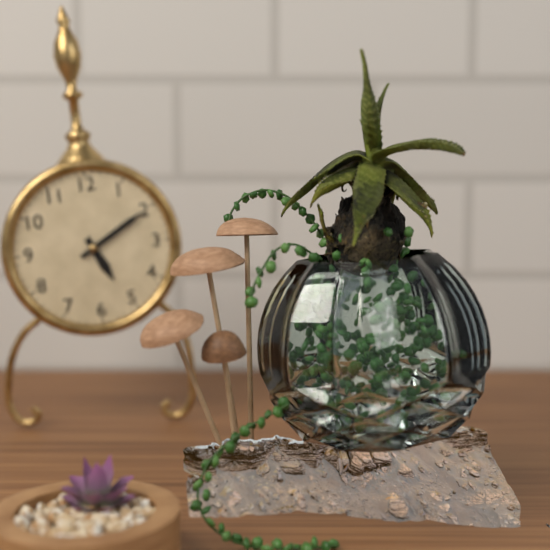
5:10
